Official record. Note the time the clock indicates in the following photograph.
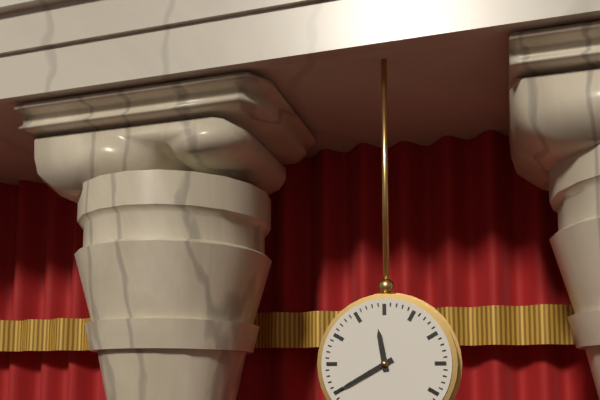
11:40
